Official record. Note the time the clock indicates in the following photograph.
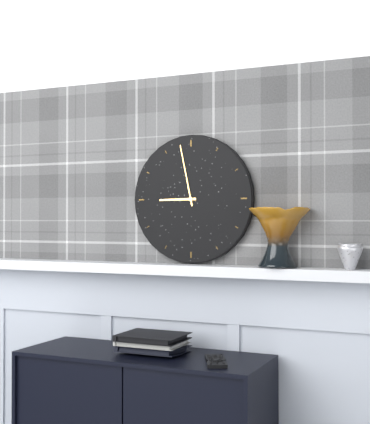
8:58
